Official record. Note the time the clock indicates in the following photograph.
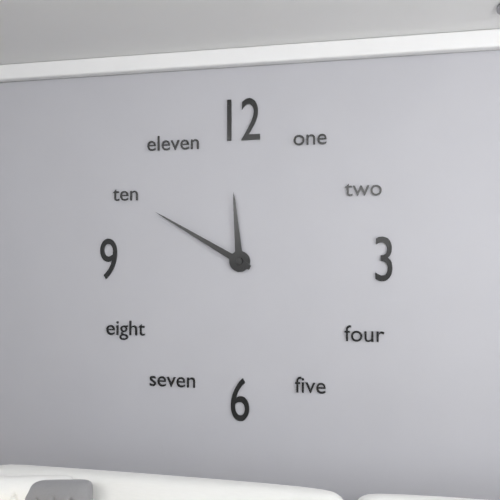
11:50
